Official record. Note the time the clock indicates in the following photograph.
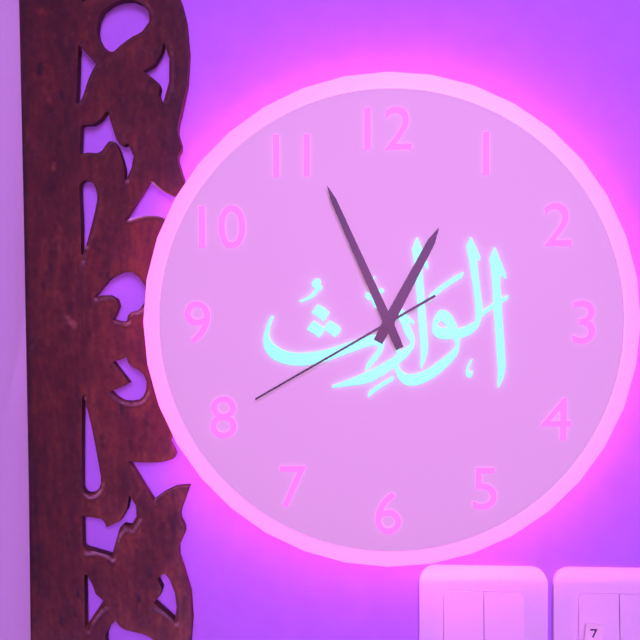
12:56:40
